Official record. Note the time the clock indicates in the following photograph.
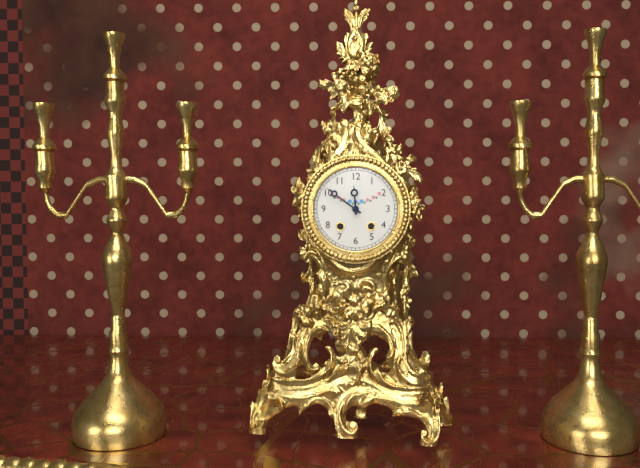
11:51
